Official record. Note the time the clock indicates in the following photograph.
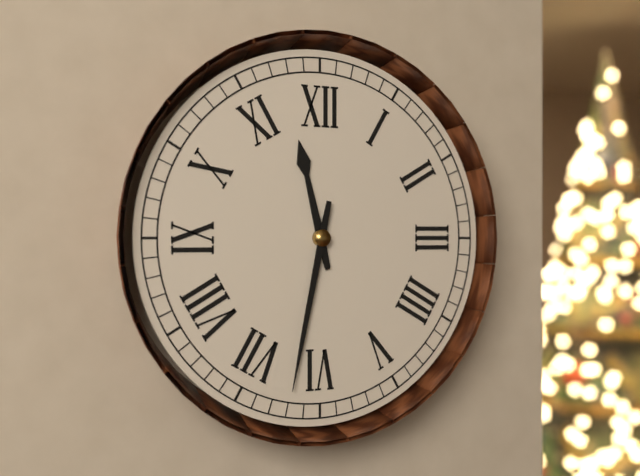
11:32
